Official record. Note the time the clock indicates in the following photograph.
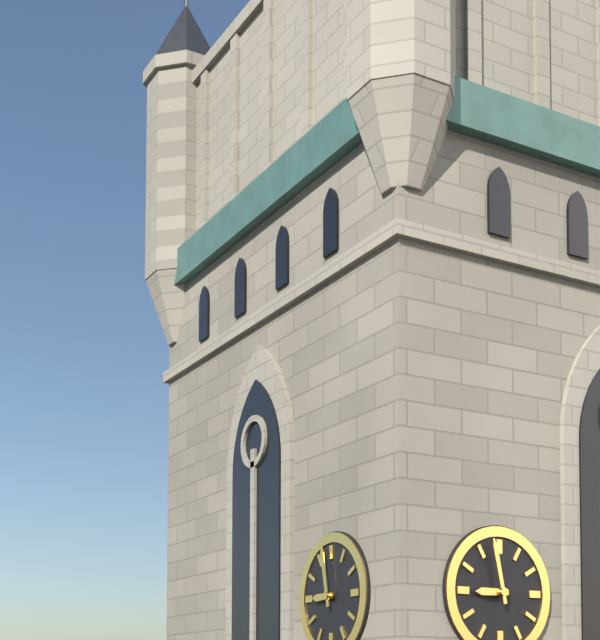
8:58
